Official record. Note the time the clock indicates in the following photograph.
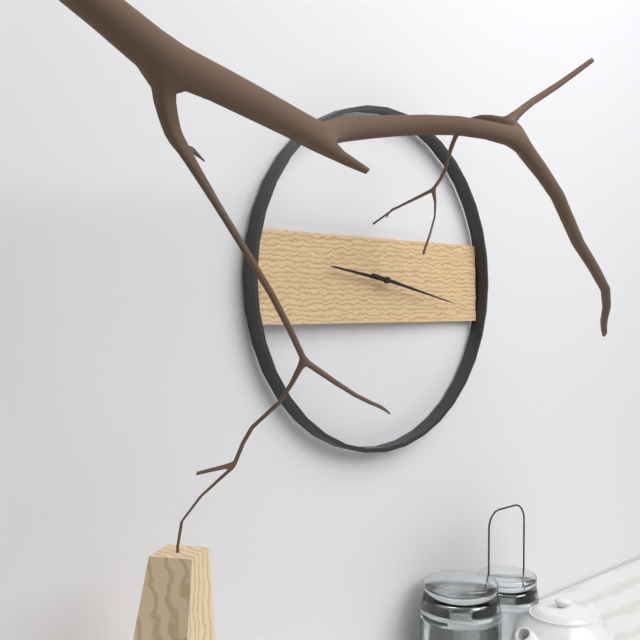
9:17
